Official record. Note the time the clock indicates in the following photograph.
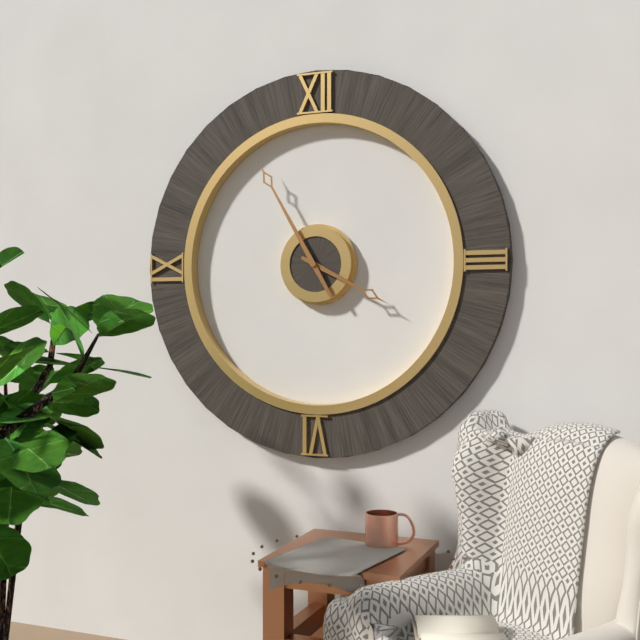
3:55
